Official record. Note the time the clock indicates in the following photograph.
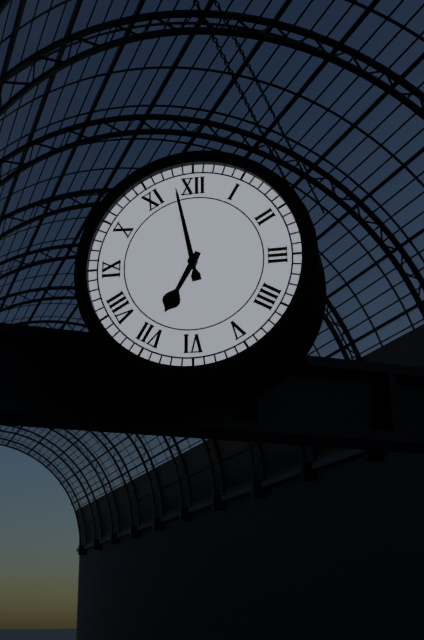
6:58
